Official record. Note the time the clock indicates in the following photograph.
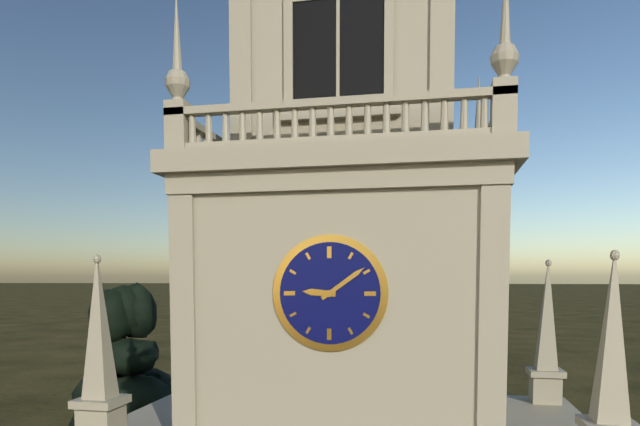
9:09
